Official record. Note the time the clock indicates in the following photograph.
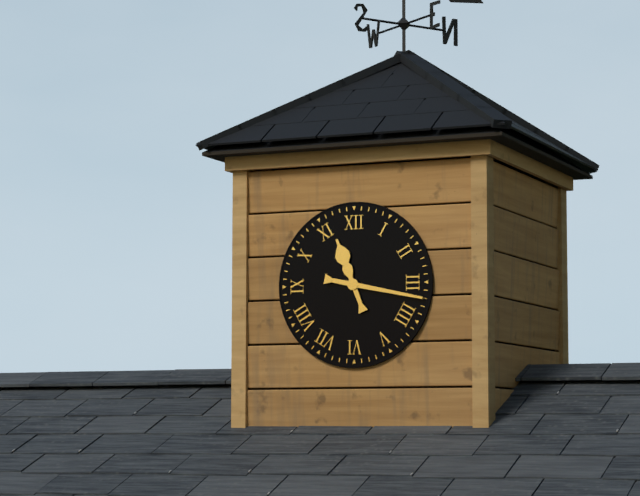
11:17
